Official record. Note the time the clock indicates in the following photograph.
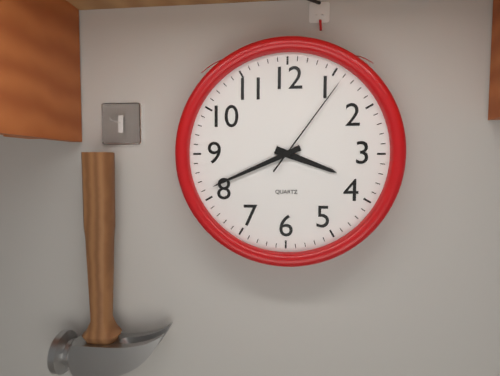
3:41:06
